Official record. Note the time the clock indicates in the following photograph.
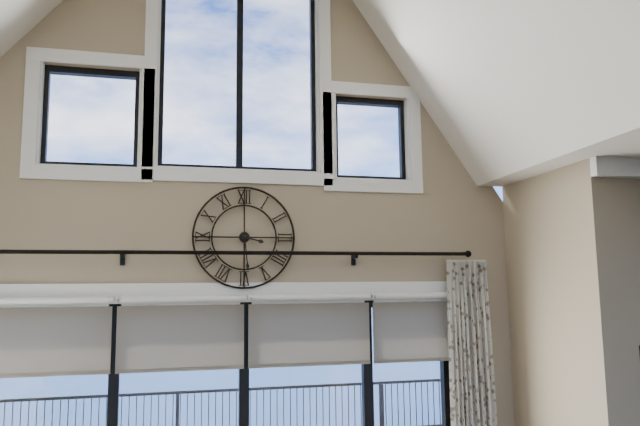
3:29
